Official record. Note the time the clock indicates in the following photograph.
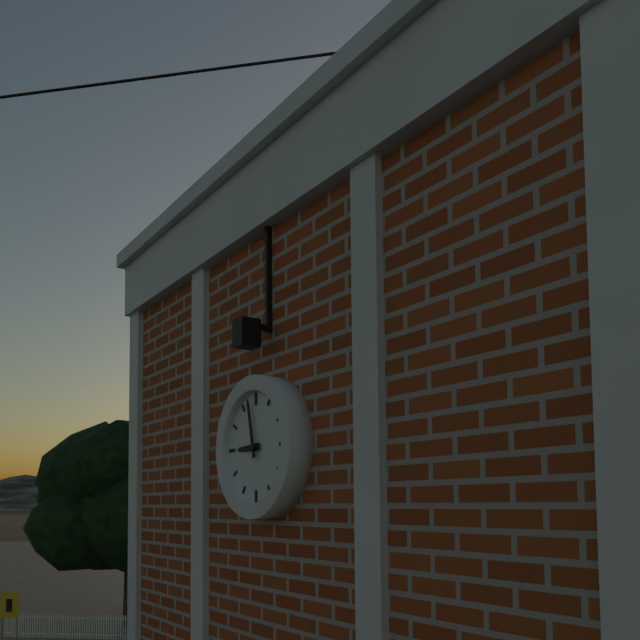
8:58
